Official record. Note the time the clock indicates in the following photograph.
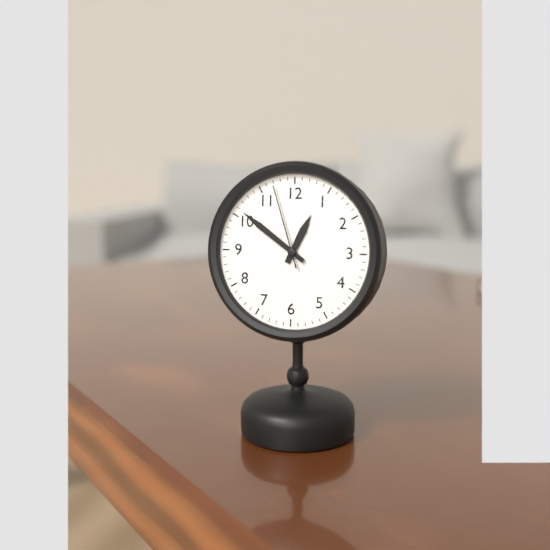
12:51:57
